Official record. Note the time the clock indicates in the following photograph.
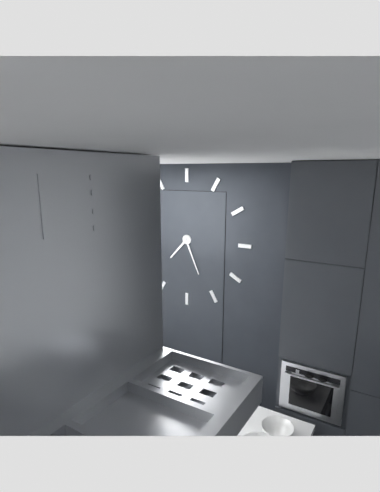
7:26
